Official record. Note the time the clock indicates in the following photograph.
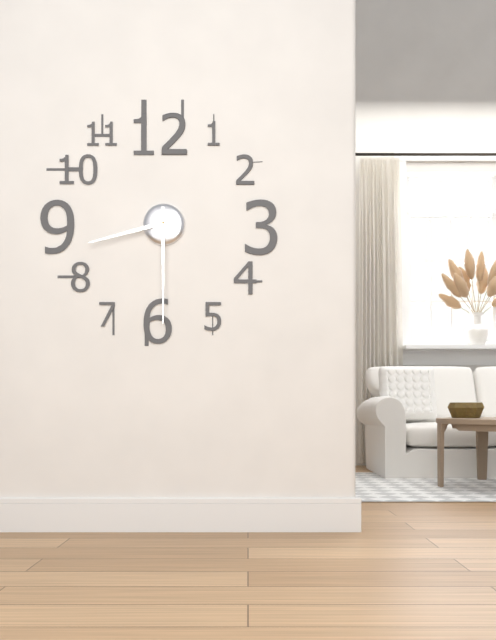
8:30
